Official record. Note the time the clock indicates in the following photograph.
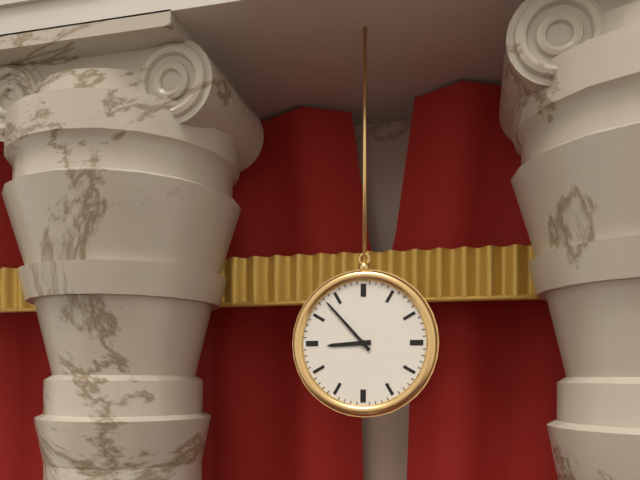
8:53
